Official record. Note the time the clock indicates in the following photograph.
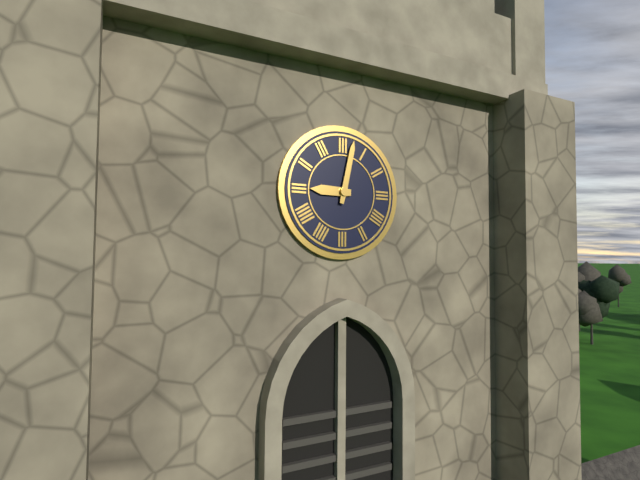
9:02
